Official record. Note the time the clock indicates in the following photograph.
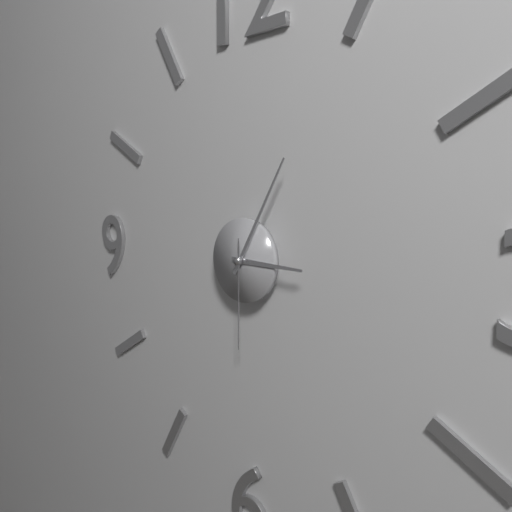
3:05:30
